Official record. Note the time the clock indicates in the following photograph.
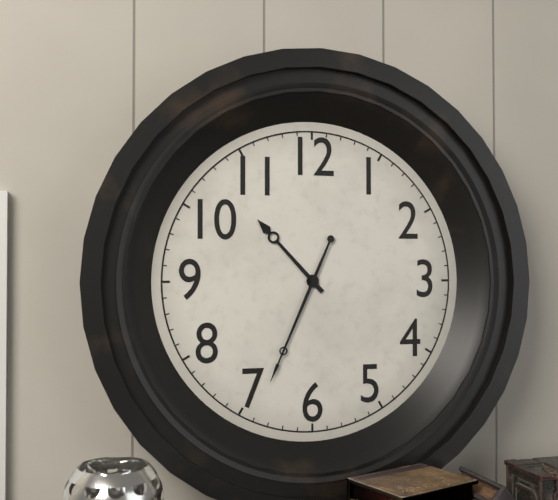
10:34
